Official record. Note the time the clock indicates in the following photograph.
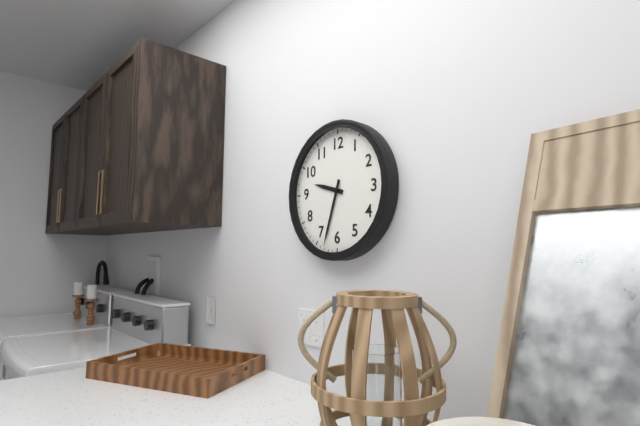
9:33
